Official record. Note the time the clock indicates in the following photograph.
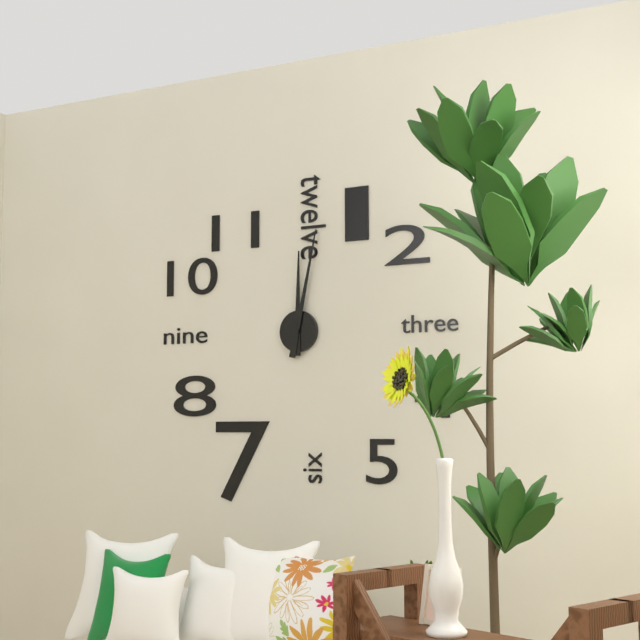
12:02
